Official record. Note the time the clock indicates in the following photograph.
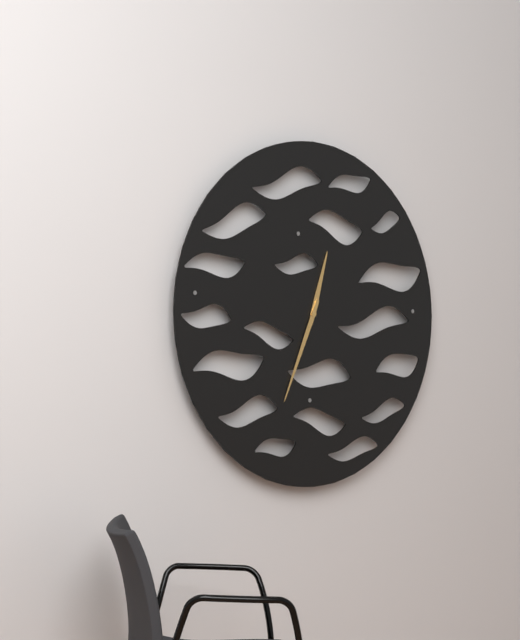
12:34
